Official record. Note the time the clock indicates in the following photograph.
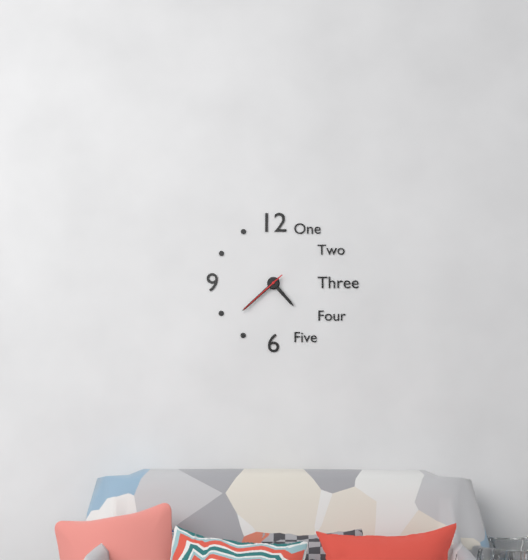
4:38:38
